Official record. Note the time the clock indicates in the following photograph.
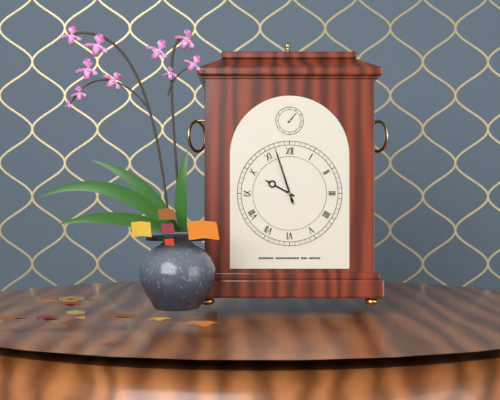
9:57
